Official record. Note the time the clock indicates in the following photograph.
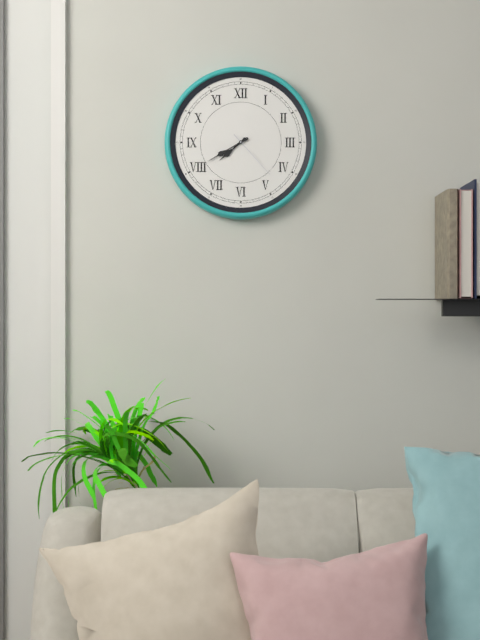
7:40:23
